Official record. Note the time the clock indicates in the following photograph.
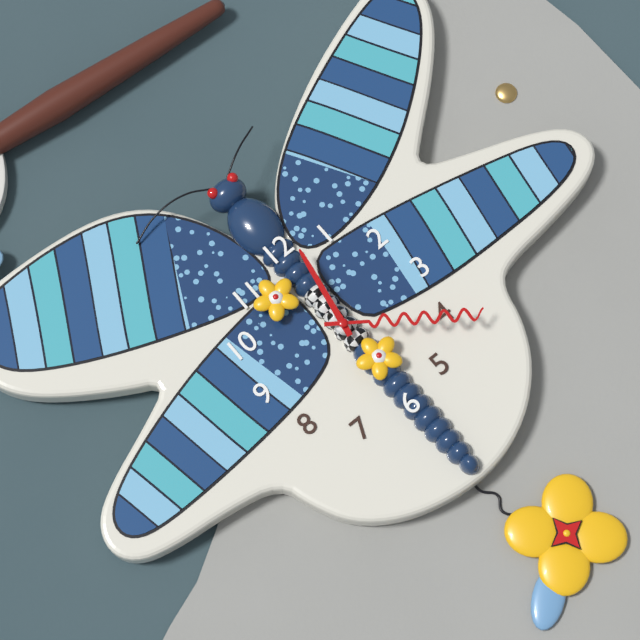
12:21
